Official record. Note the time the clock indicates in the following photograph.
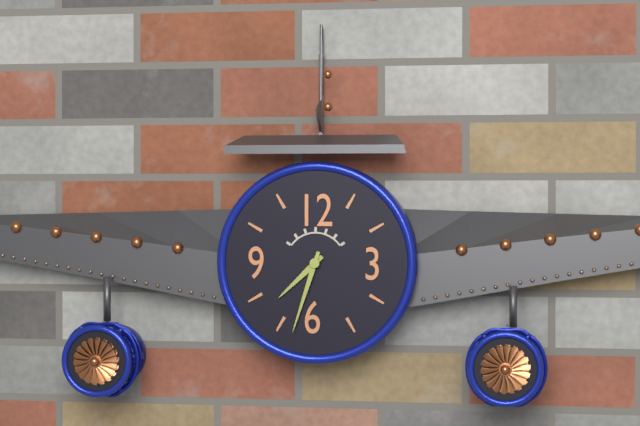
7:33
